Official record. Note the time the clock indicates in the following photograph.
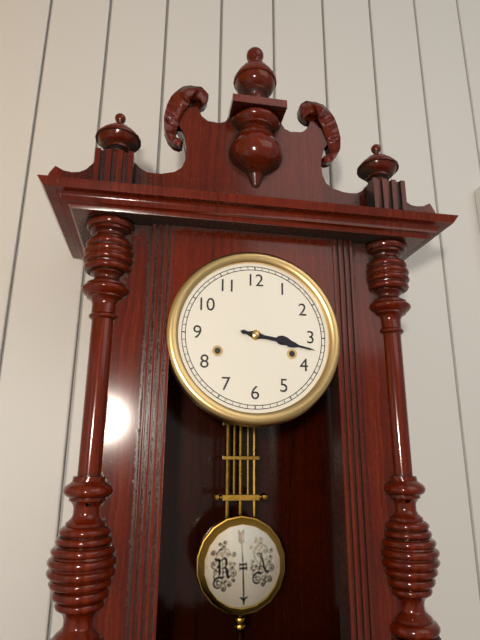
3:17
